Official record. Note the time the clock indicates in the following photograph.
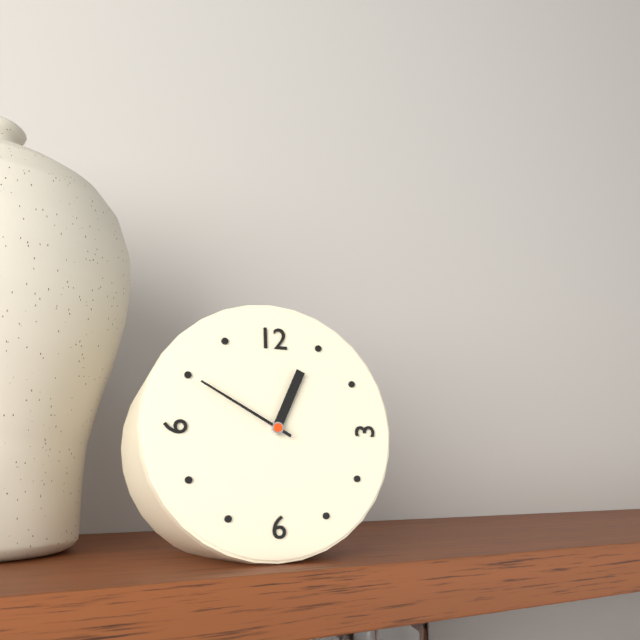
12:50
